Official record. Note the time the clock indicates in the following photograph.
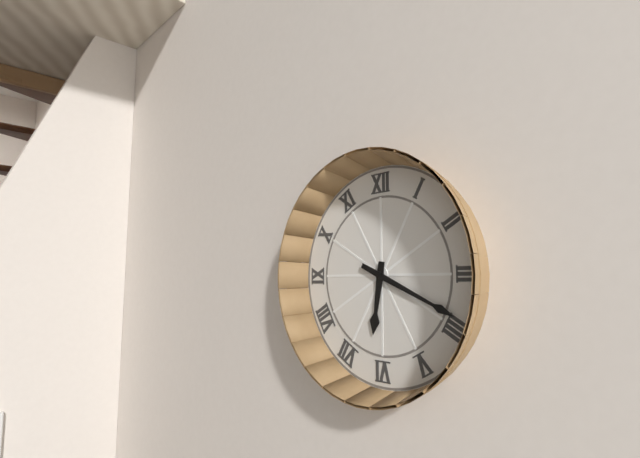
6:19
